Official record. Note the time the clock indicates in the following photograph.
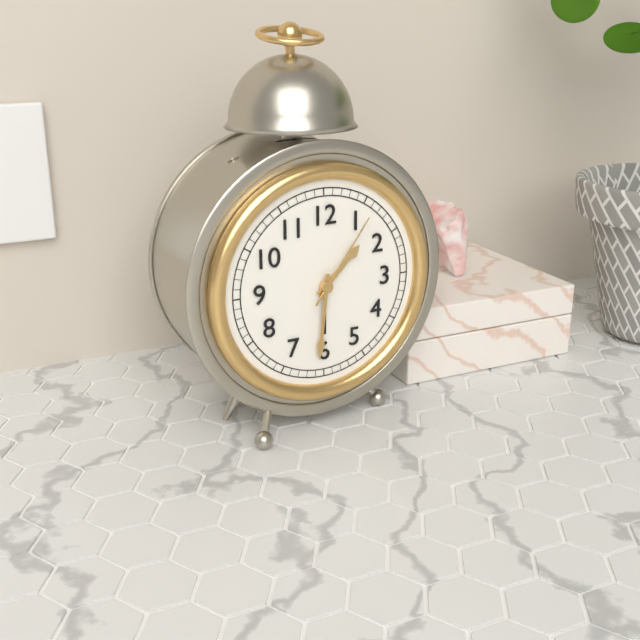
1:31:06
